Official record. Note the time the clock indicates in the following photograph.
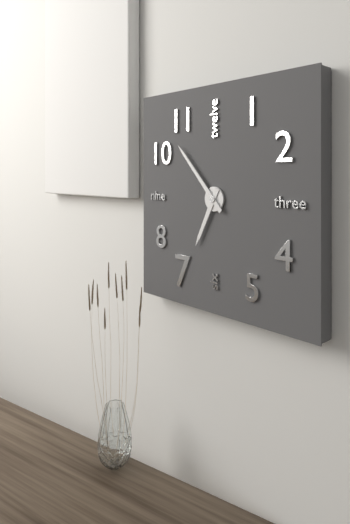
6:53
